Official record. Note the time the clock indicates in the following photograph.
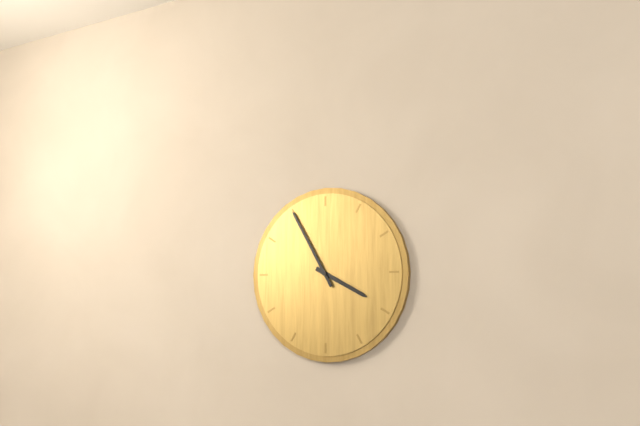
3:55
